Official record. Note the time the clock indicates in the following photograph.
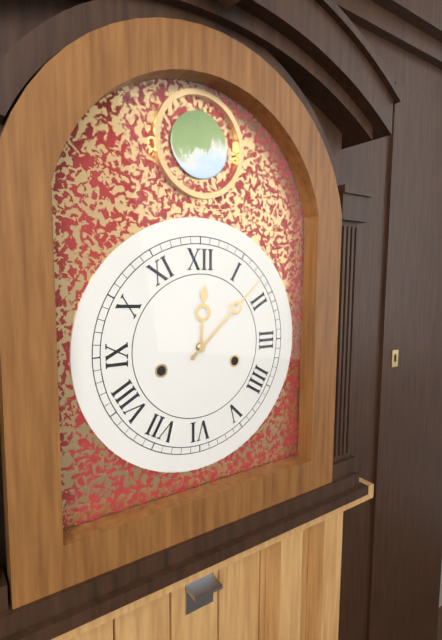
12:08
